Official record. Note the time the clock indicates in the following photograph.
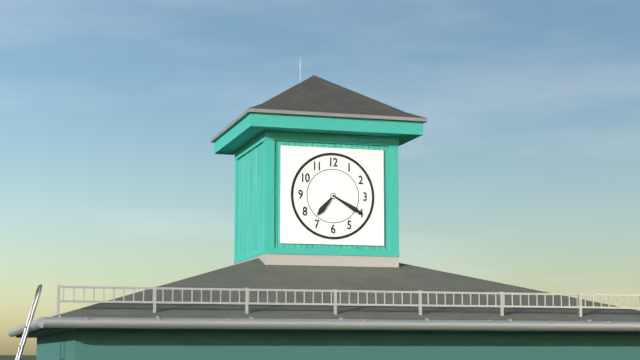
7:20
